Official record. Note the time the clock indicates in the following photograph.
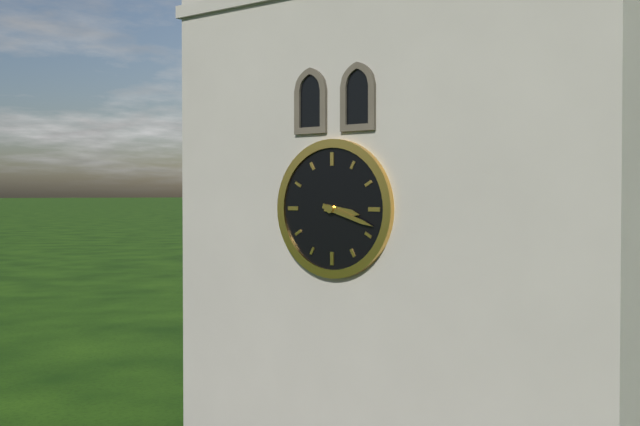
3:18
